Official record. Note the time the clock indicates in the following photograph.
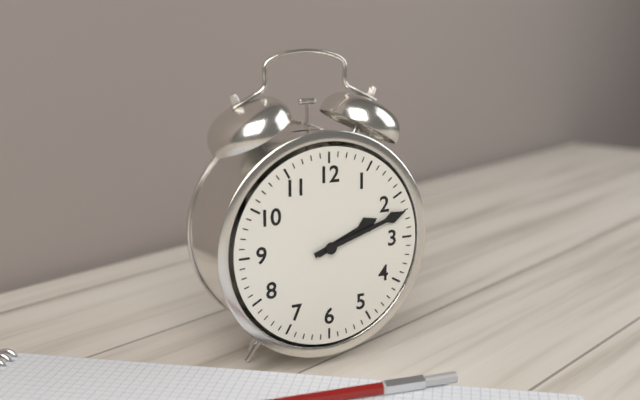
2:12
